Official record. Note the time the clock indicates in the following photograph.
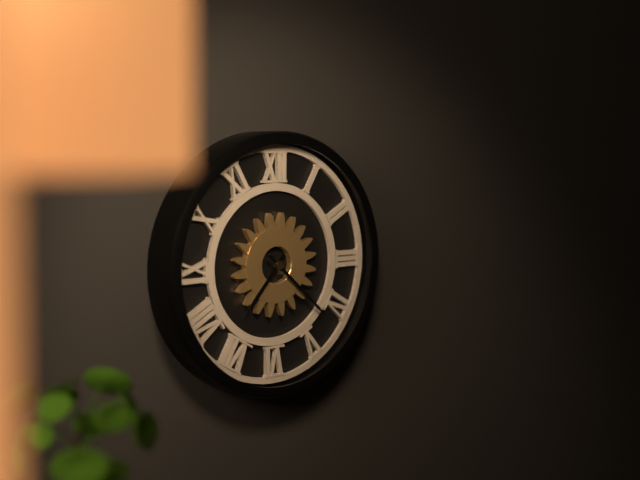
7:22
